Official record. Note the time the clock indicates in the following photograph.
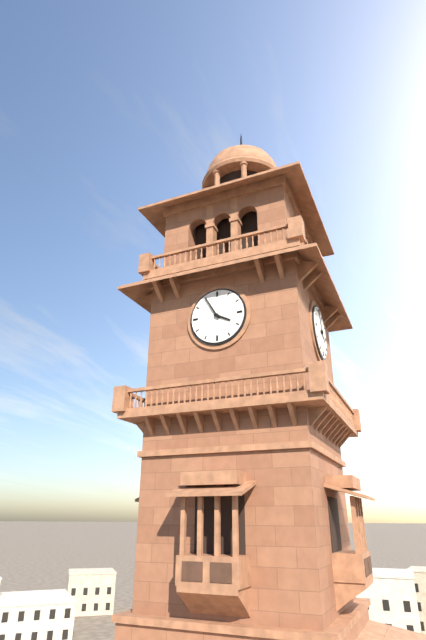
3:55
